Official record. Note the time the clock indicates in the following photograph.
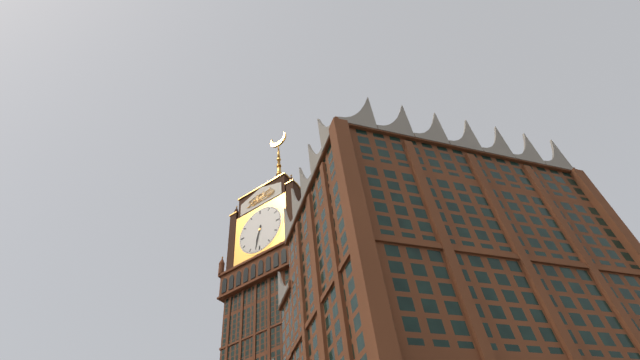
6:32
